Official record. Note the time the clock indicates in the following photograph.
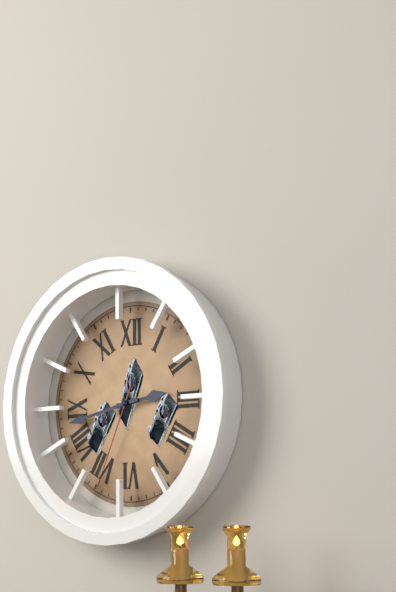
2:43:34
